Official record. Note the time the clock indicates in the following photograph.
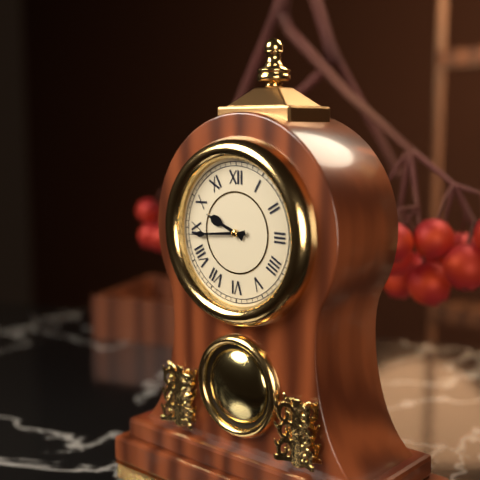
9:44
